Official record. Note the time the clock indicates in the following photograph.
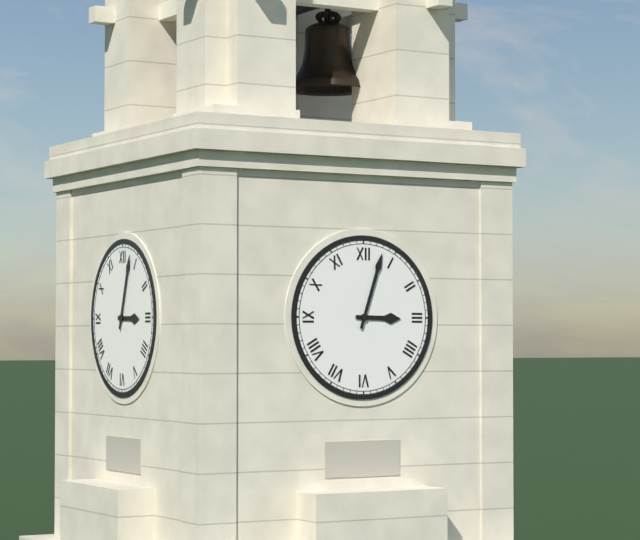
3:03
